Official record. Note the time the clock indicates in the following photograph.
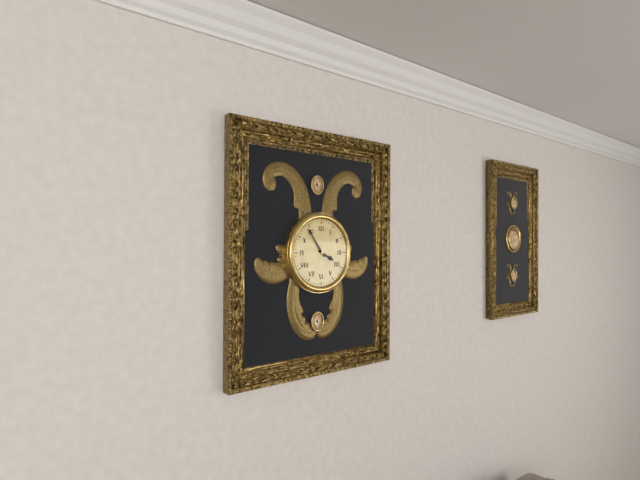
3:54
